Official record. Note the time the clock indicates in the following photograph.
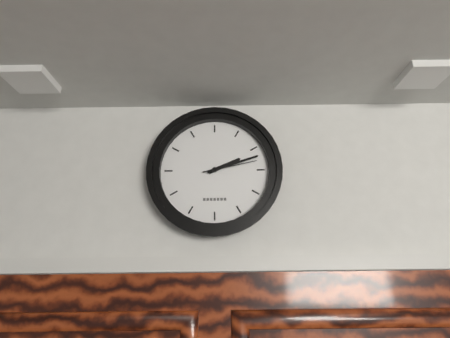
2:12:13
